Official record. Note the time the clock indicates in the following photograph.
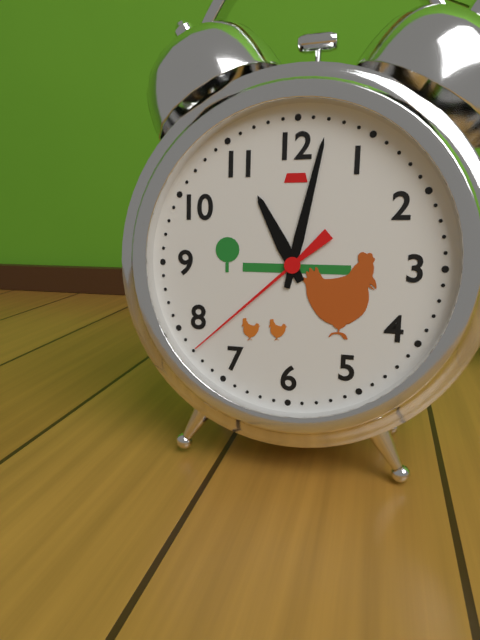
11:02:38
